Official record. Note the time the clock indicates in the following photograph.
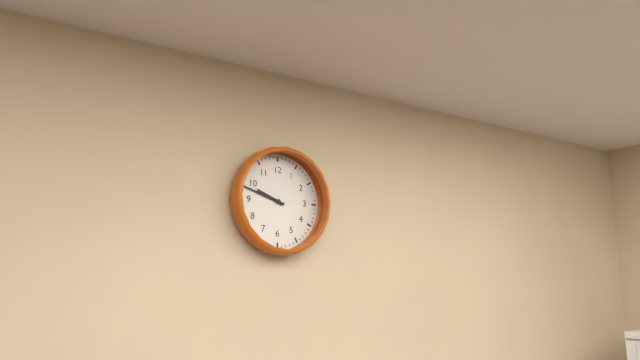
9:48
